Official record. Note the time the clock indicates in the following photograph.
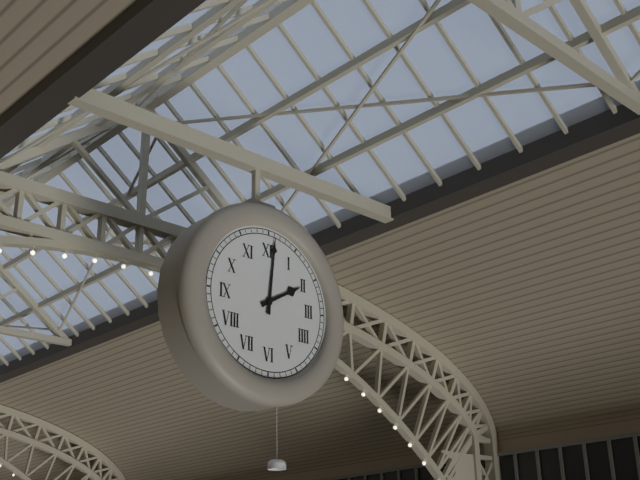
2:01
